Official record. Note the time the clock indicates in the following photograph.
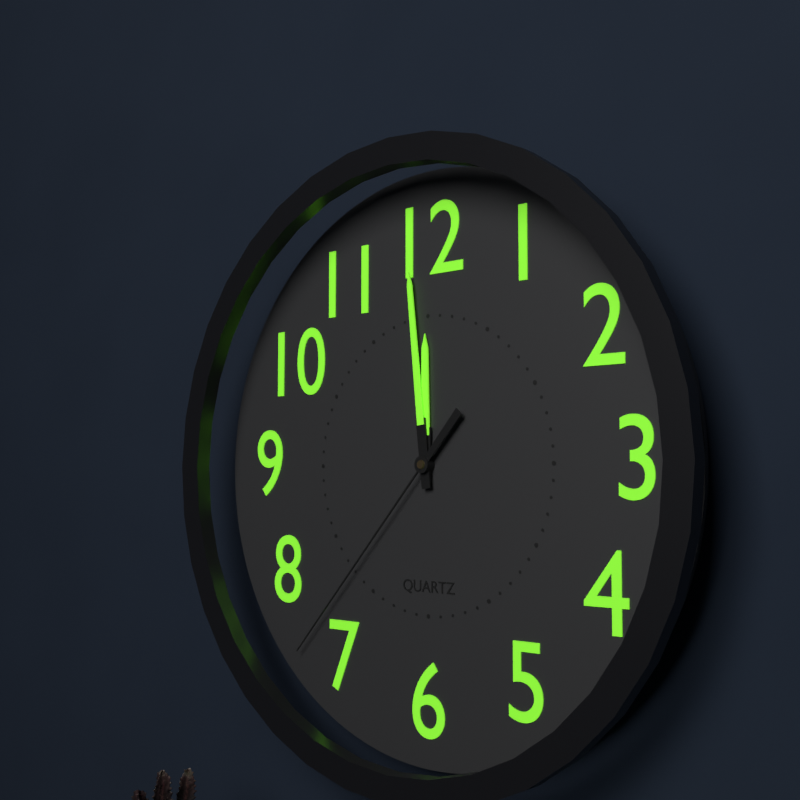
11:59:37
